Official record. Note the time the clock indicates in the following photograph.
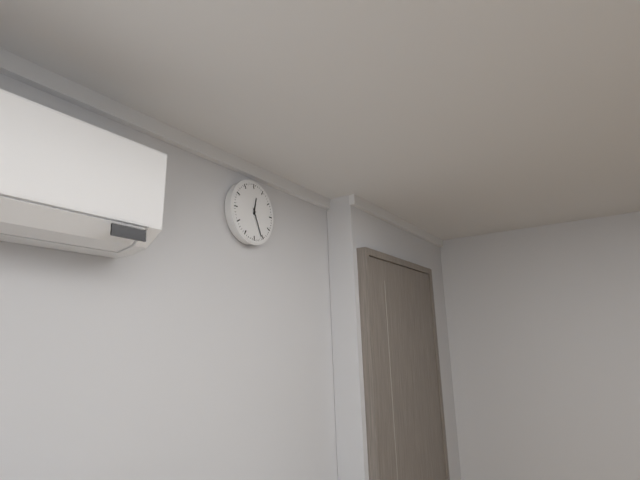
12:26
